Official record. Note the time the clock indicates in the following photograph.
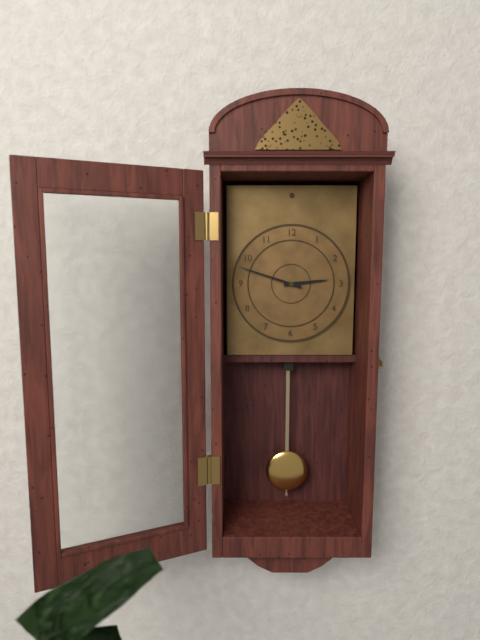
2:48
